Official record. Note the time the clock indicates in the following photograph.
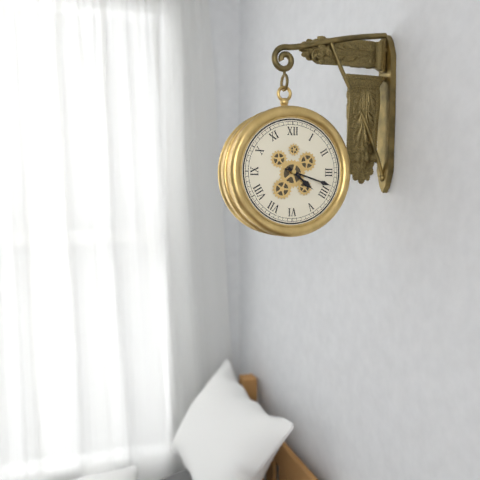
4:18
